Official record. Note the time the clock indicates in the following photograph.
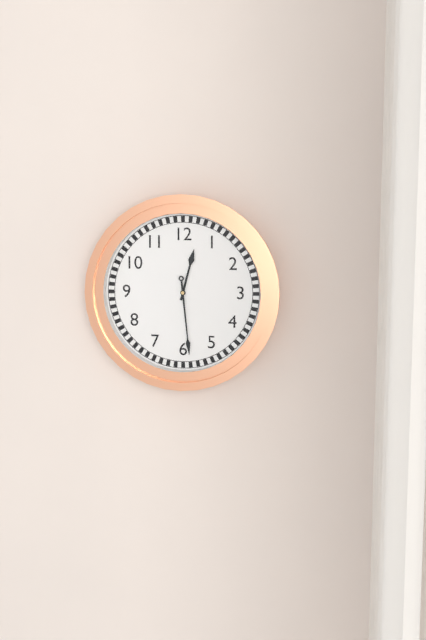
12:29
